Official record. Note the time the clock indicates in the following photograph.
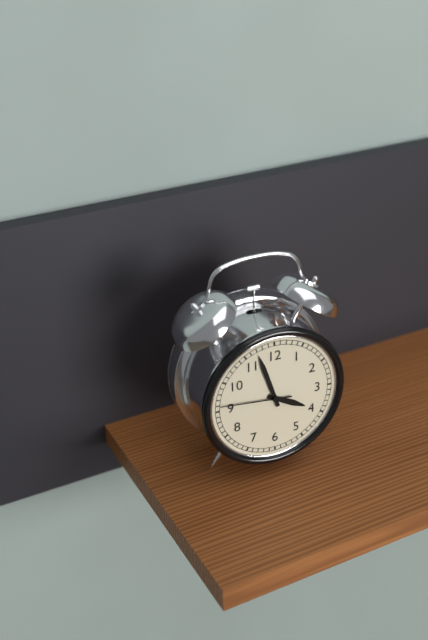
3:57:46
